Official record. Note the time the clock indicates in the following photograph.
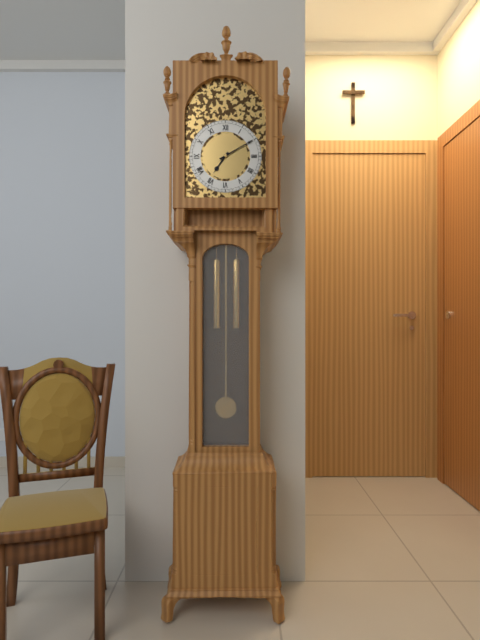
7:10
